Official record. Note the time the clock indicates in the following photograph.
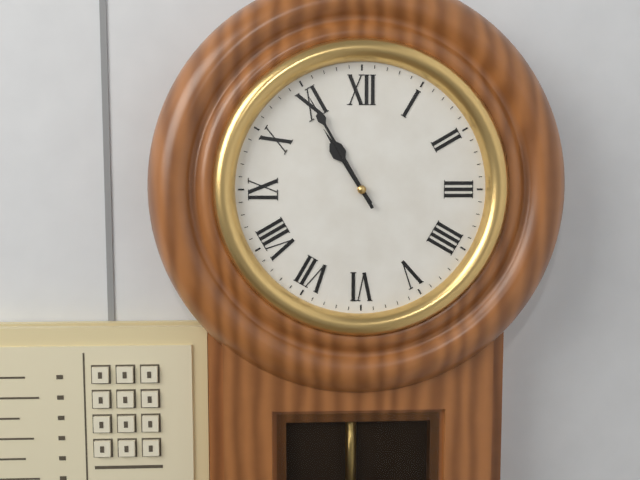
10:55
